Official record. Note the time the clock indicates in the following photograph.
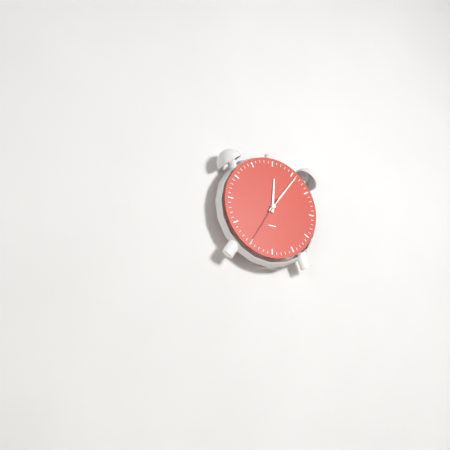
12:06:35
